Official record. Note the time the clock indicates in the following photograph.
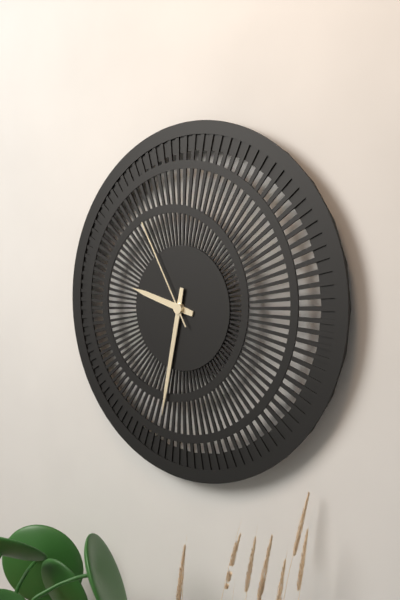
9:32:55
